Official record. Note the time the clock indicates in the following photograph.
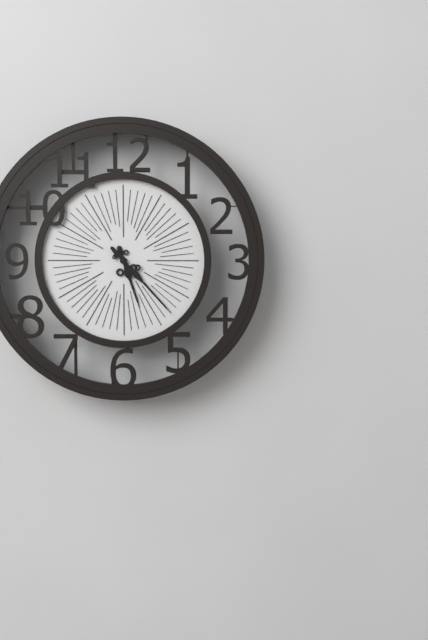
5:23
